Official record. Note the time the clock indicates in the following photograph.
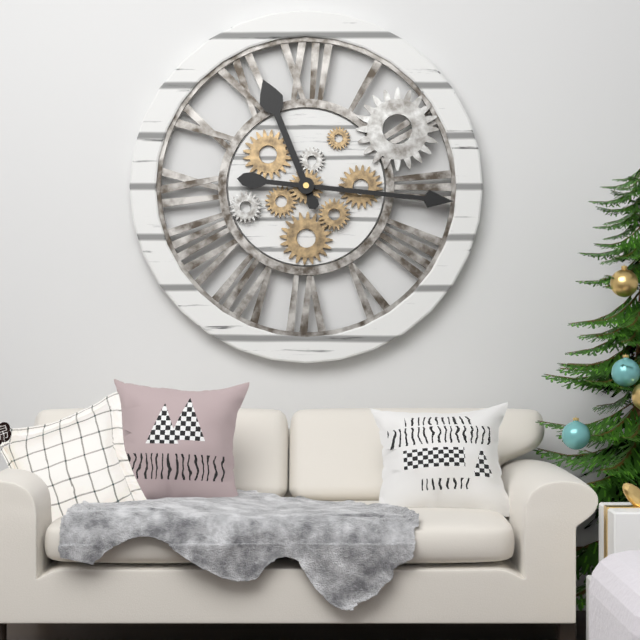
11:16
